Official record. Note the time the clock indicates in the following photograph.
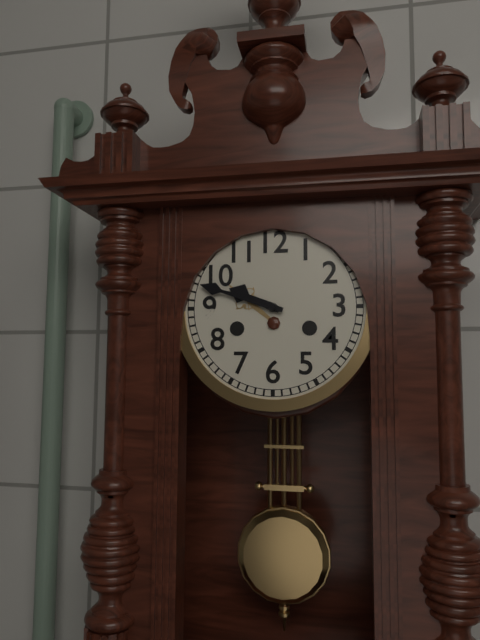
9:48
